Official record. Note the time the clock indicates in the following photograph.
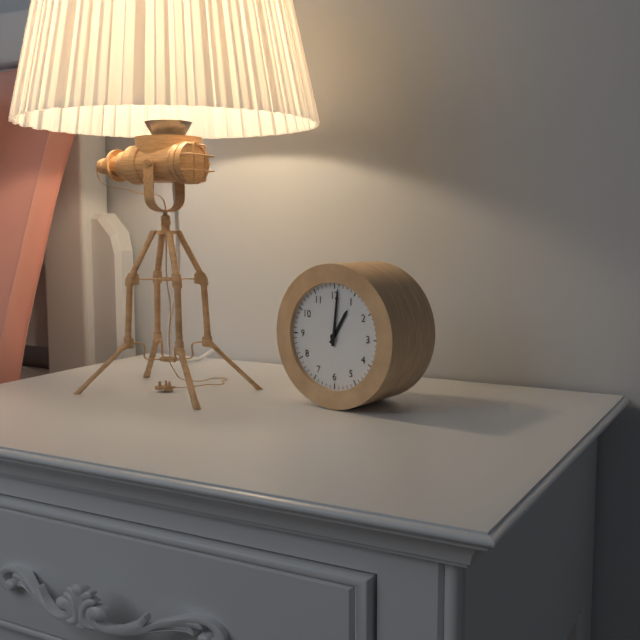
1:01
